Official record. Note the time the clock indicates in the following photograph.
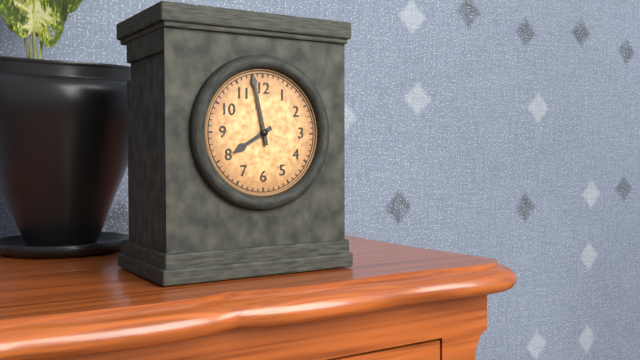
7:58
